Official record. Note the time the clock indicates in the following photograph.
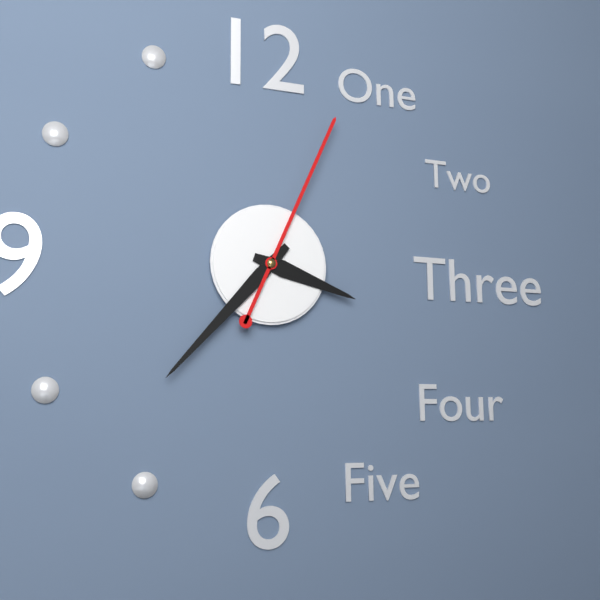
3:37:04
